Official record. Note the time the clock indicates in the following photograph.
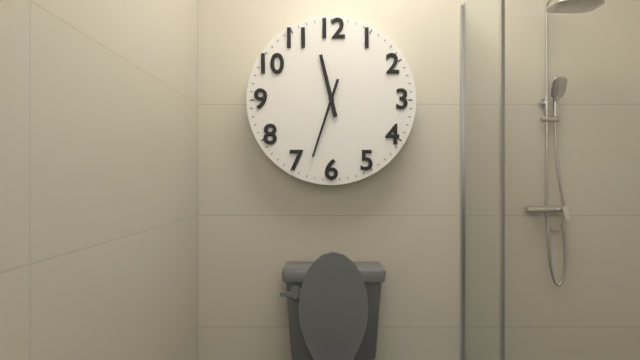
11:33
